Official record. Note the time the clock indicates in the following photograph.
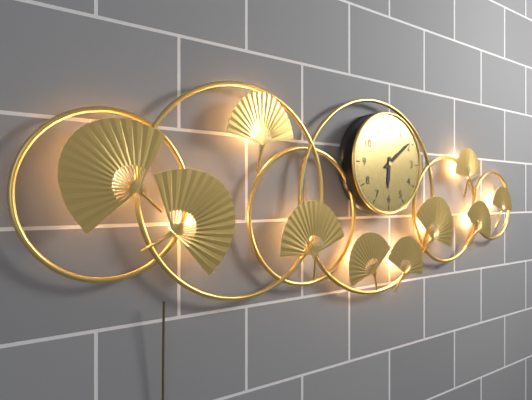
6:09
